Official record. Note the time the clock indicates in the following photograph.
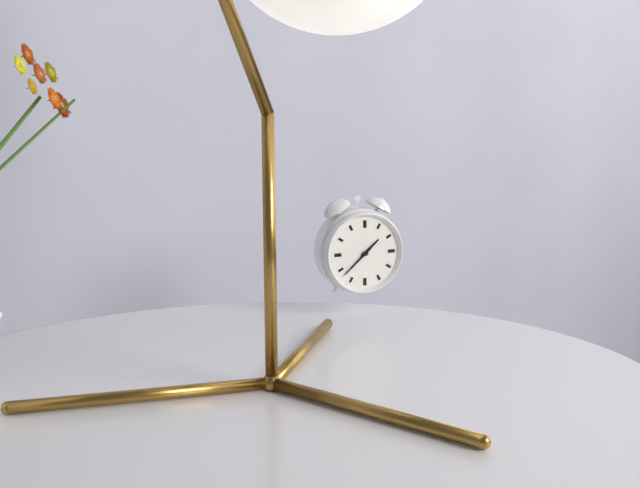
1:38
